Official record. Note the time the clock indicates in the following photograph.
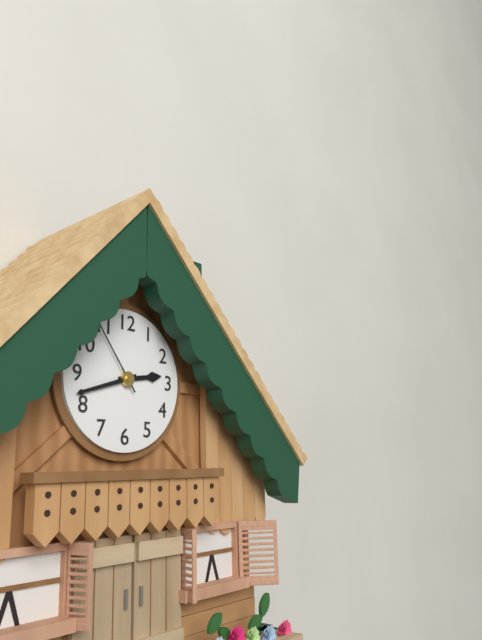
2:42:54
